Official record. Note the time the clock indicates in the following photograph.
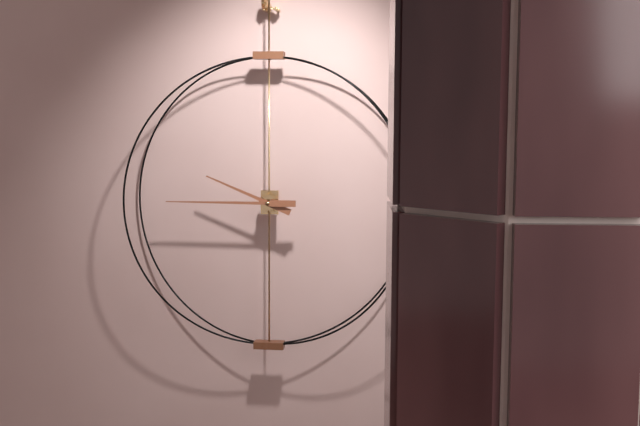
9:45
